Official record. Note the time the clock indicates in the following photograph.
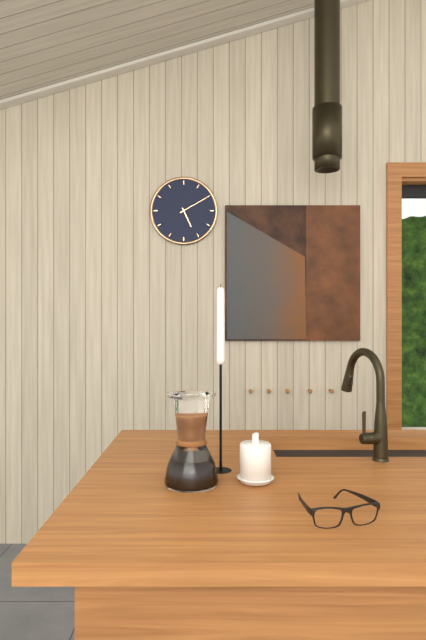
5:10
